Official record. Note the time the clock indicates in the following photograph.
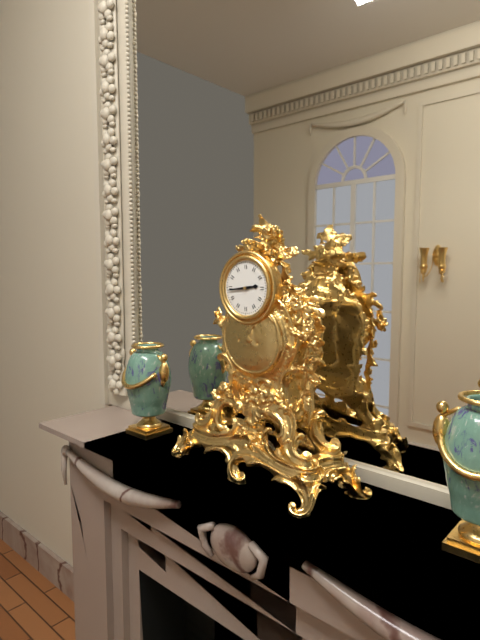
2:44
